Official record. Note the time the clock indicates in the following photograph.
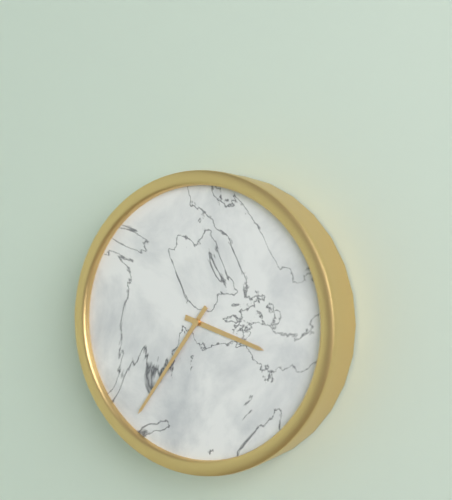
3:36
